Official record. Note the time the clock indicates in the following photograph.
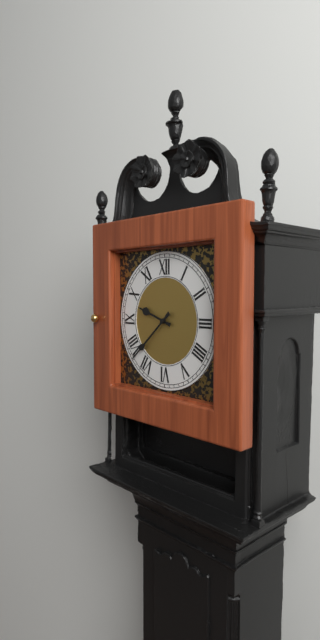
9:38
